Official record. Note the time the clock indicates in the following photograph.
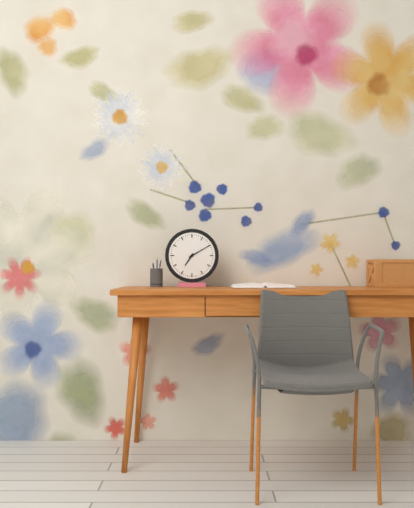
7:10
